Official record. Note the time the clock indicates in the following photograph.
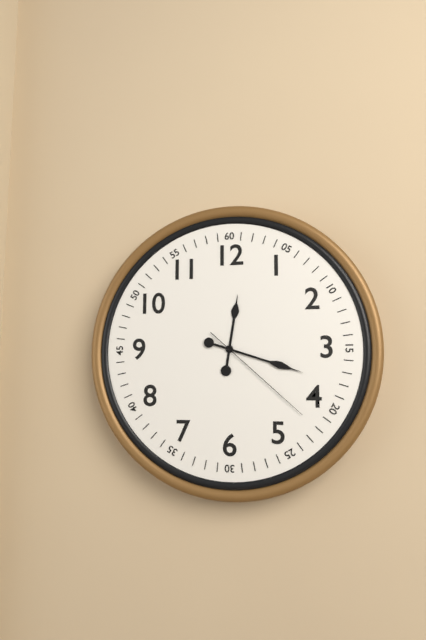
12:18:22
